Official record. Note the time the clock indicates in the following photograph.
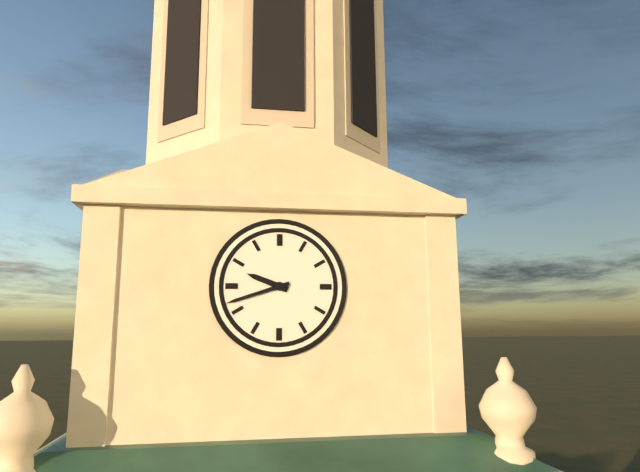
9:42
